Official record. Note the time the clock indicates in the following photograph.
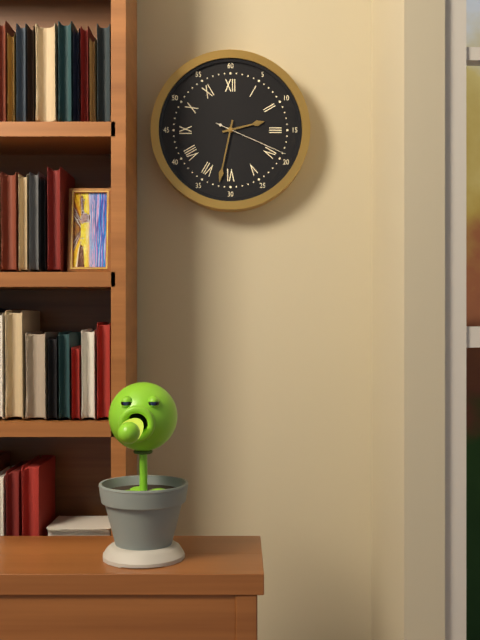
2:32:19
